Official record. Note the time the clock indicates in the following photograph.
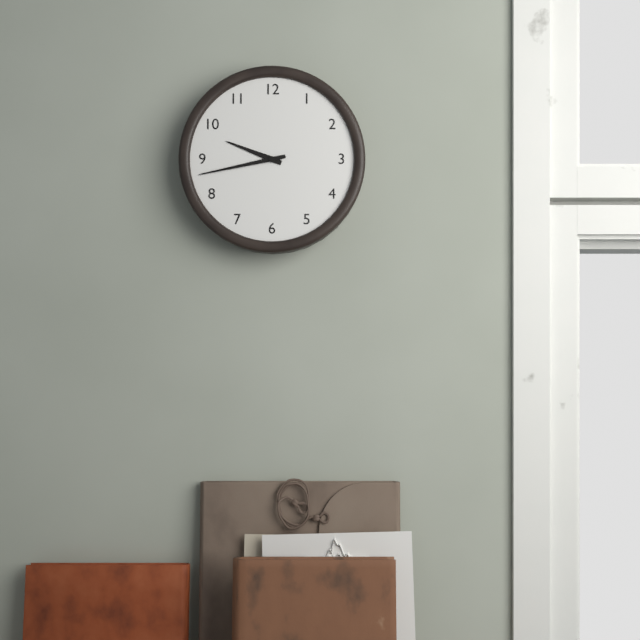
9:43
